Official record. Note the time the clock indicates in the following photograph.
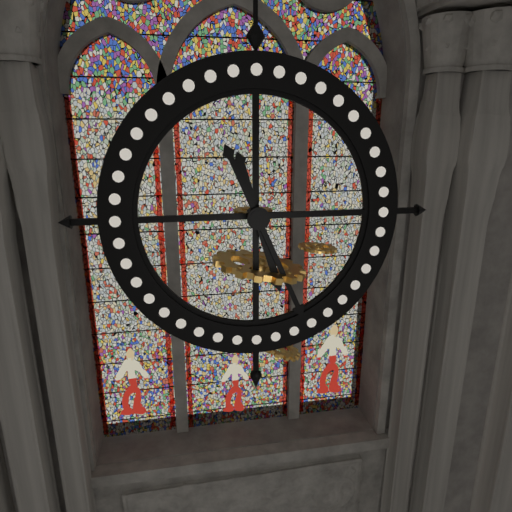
5:26
